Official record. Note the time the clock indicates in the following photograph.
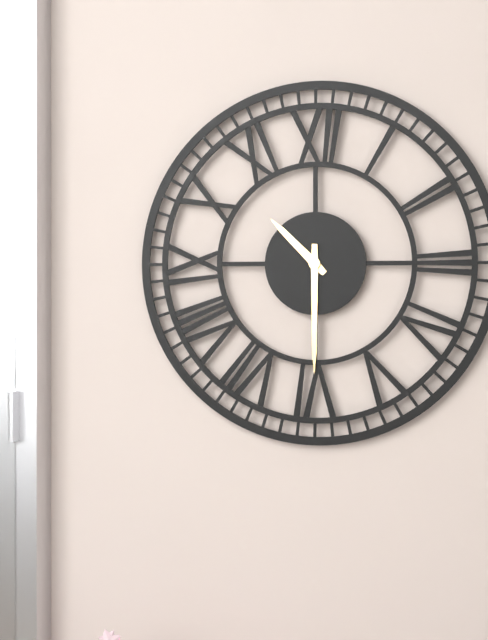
10:30
